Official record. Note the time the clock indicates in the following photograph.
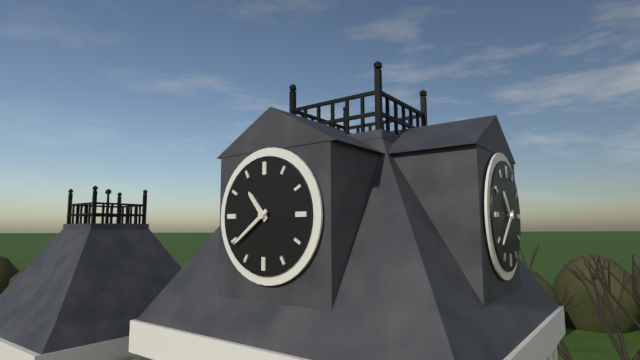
10:39
